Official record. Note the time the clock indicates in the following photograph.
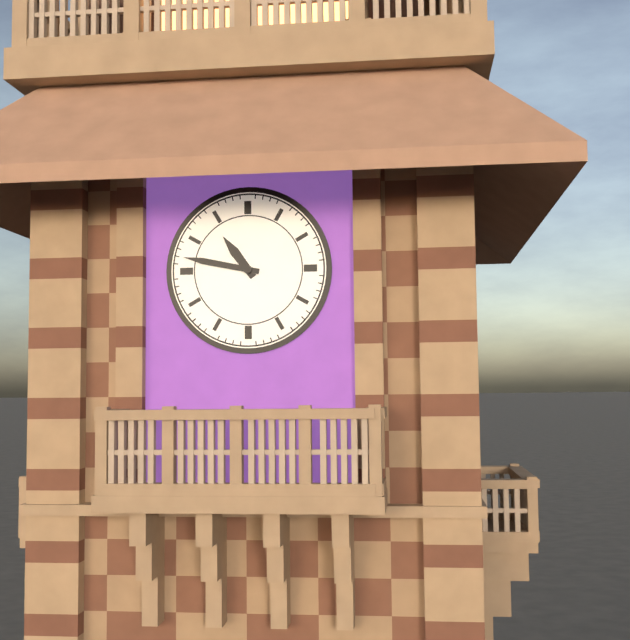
10:47
